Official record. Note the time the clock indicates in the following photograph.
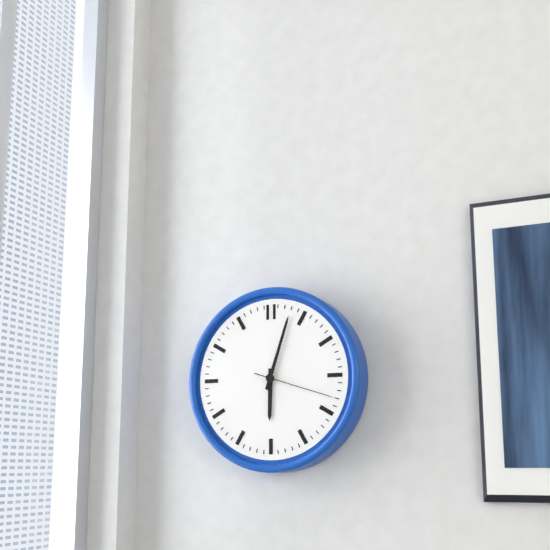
6:03:18
